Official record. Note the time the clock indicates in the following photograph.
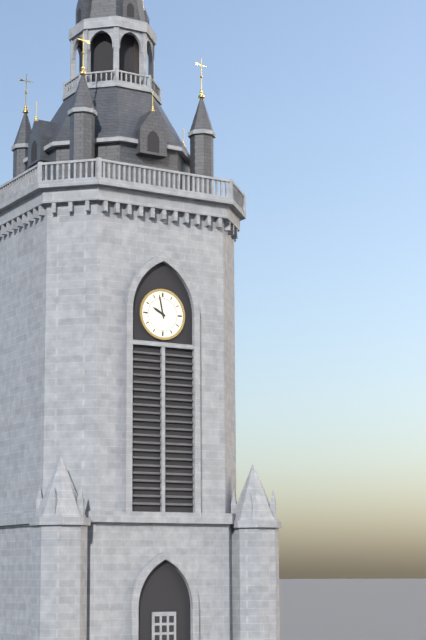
9:58
